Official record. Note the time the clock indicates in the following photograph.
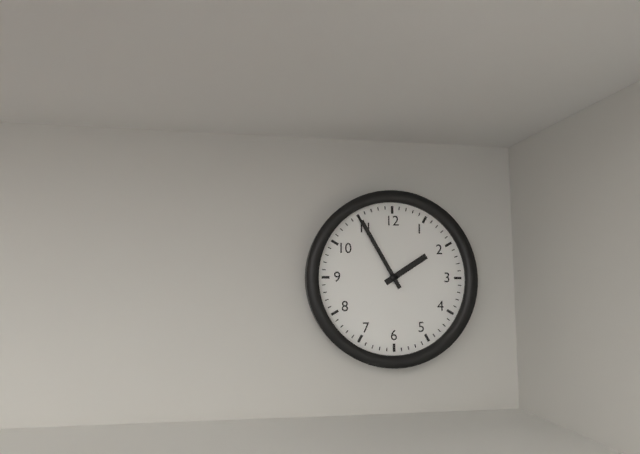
1:55
